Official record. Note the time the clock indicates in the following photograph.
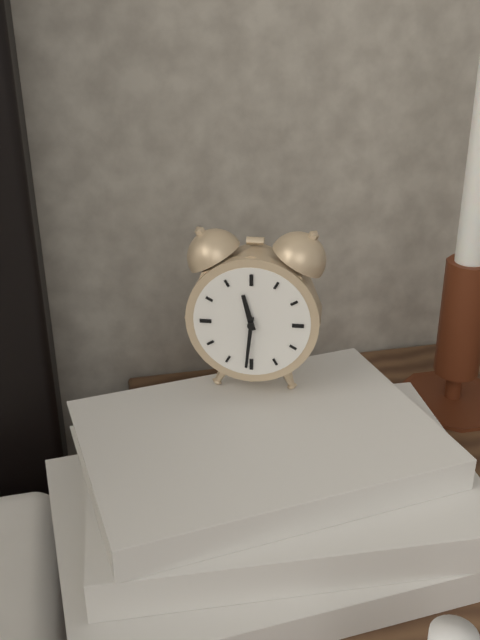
11:31
